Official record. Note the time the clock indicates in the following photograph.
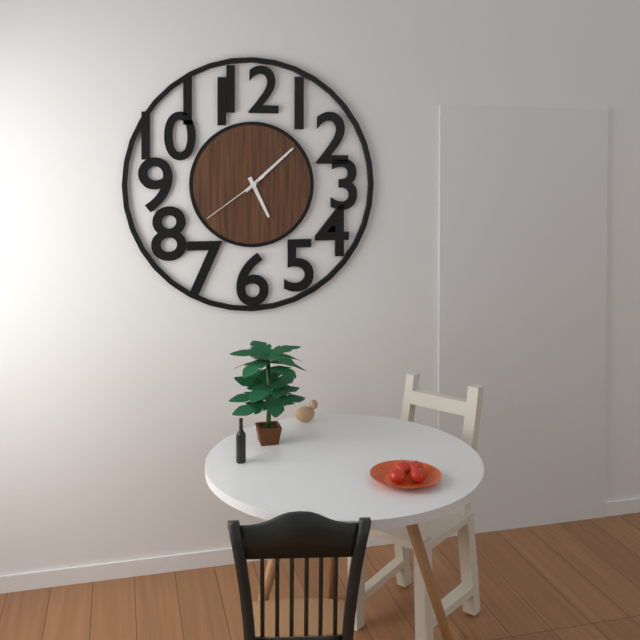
5:08:39
